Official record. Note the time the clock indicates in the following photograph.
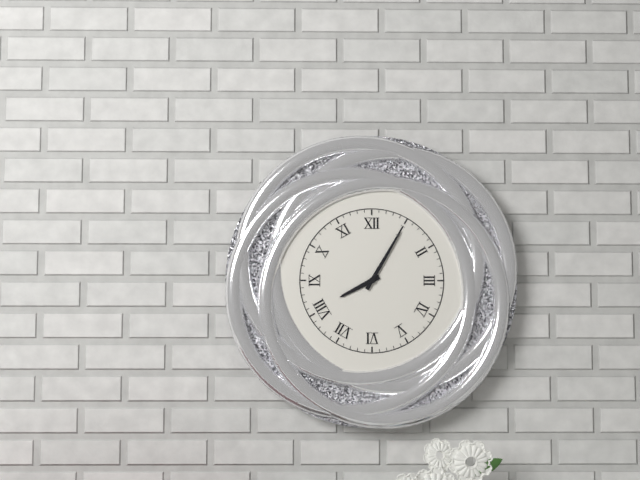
8:05
